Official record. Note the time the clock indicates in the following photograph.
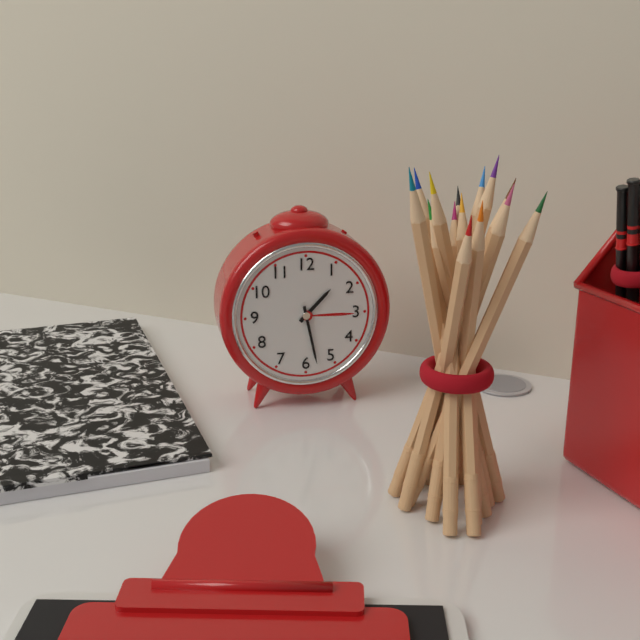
1:28
